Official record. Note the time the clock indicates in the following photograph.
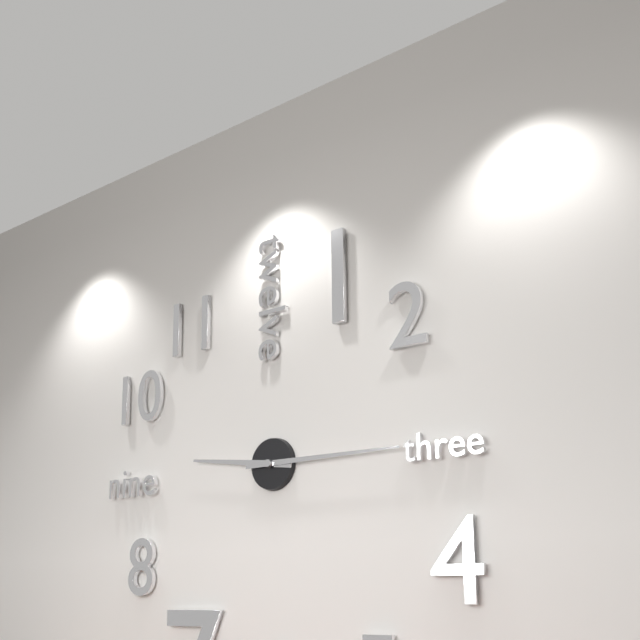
9:15
